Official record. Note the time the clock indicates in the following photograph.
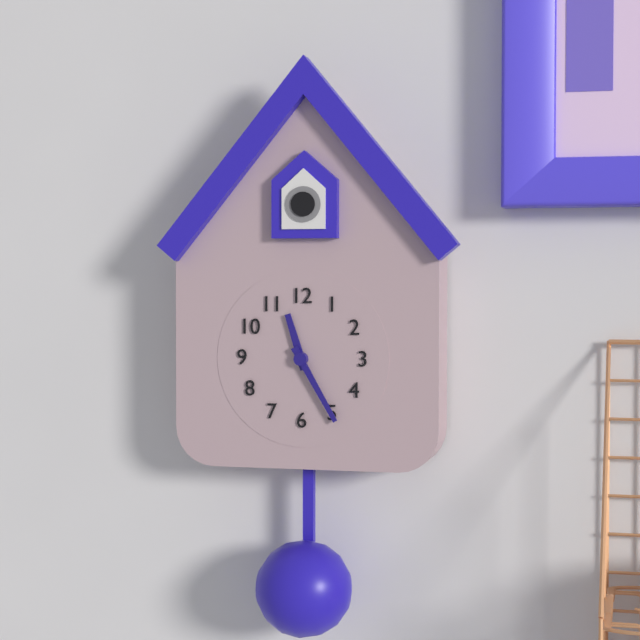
11:25
